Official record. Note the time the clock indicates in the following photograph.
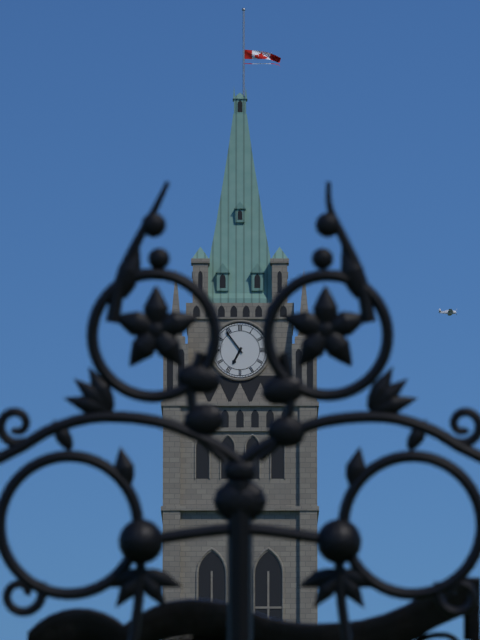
6:54
